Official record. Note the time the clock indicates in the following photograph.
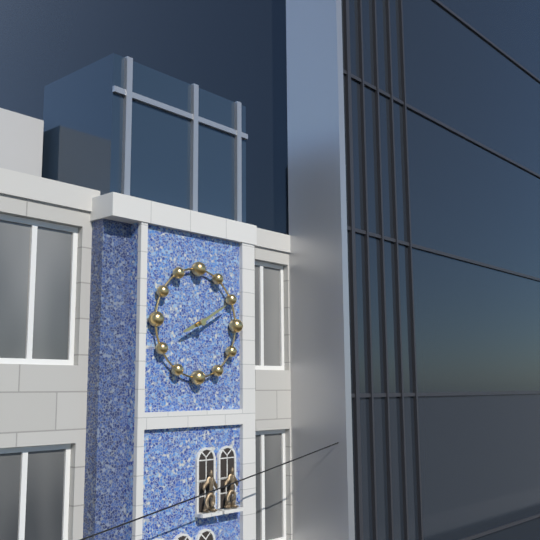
8:10
